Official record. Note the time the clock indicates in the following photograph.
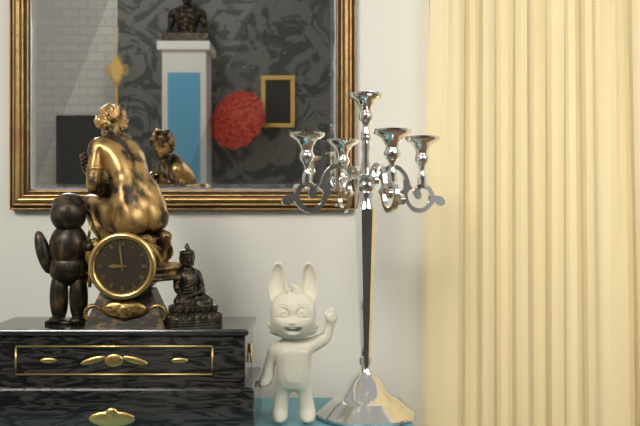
8:59
